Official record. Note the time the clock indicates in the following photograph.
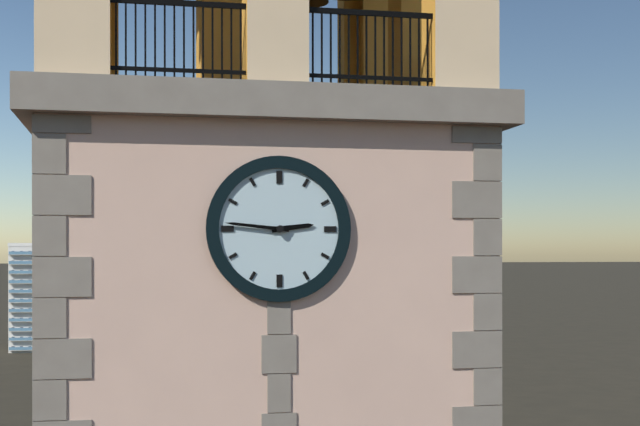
2:46
